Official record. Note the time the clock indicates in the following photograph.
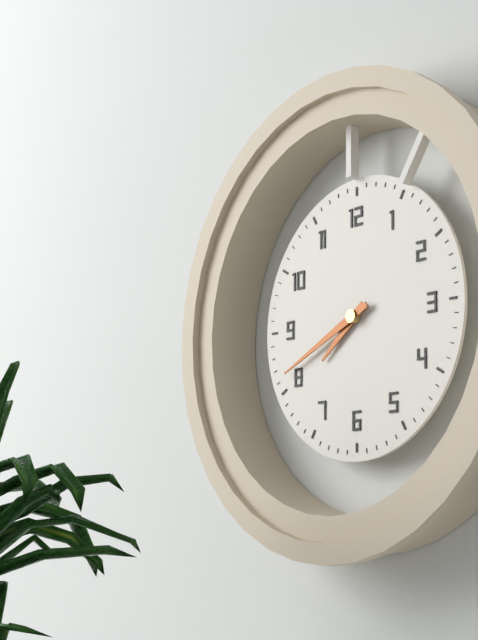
7:41
